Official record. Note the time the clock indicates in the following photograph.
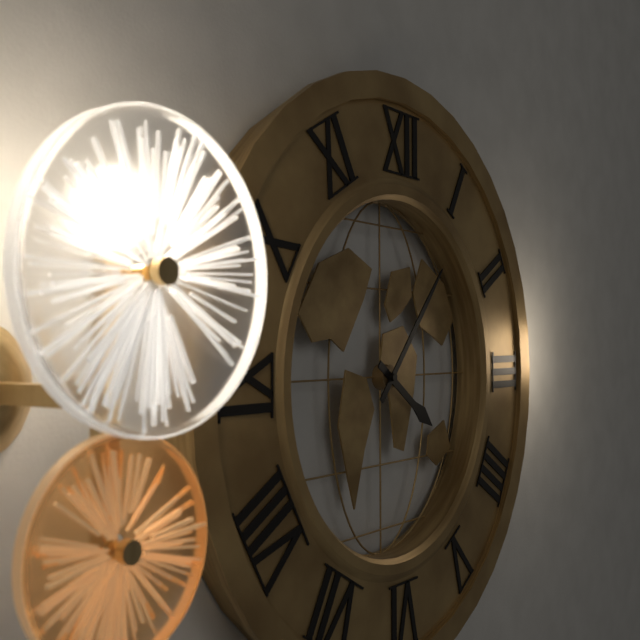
4:07
